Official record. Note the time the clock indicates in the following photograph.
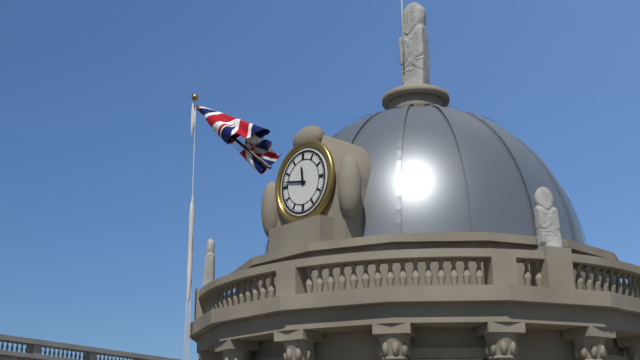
11:47
